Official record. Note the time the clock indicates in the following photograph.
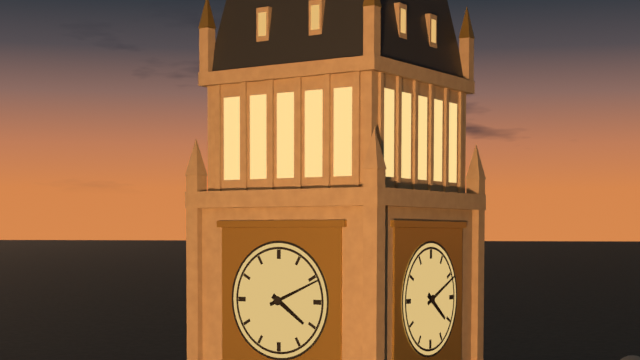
4:11
